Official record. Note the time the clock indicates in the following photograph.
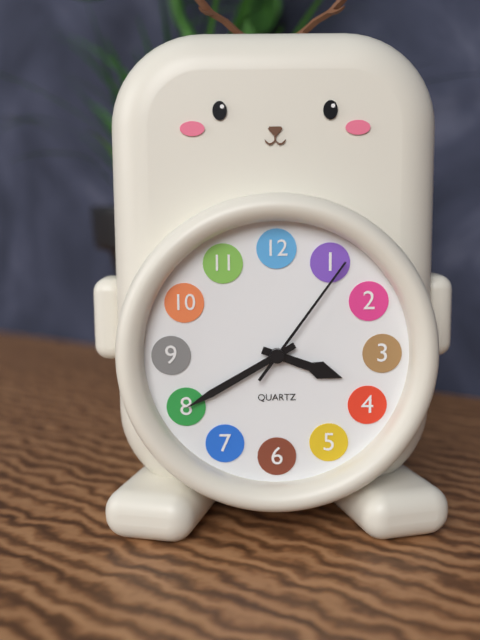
3:40:06
